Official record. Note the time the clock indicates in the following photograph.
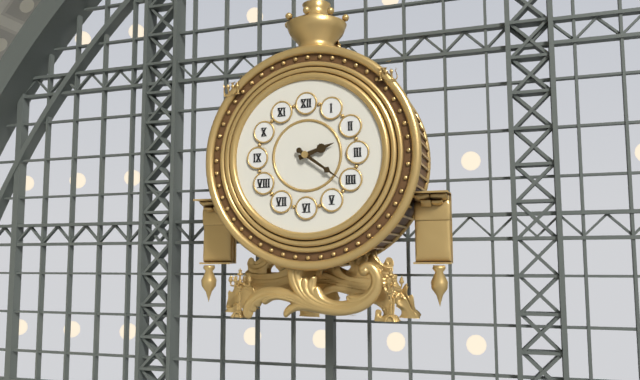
2:21
